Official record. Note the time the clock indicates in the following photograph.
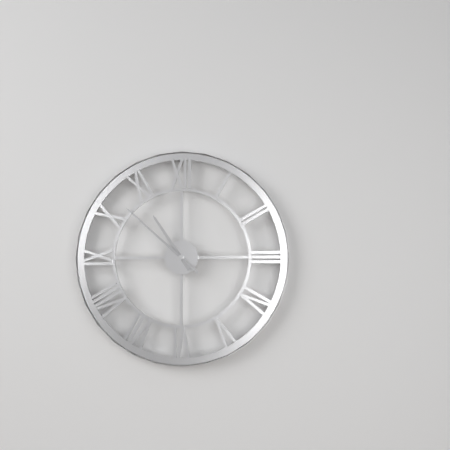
10:52
